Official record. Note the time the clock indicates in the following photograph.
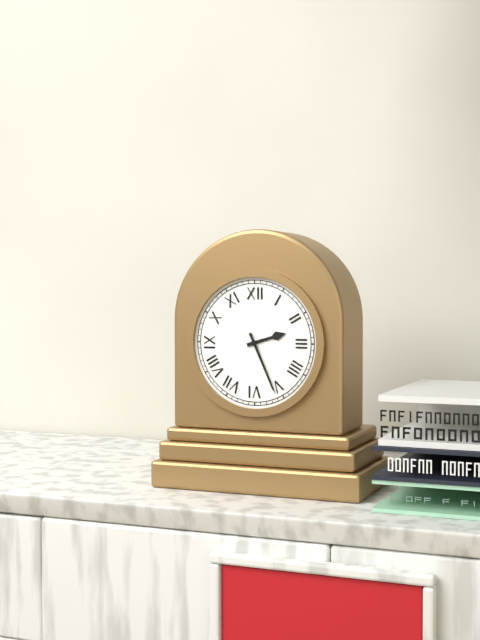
2:26
